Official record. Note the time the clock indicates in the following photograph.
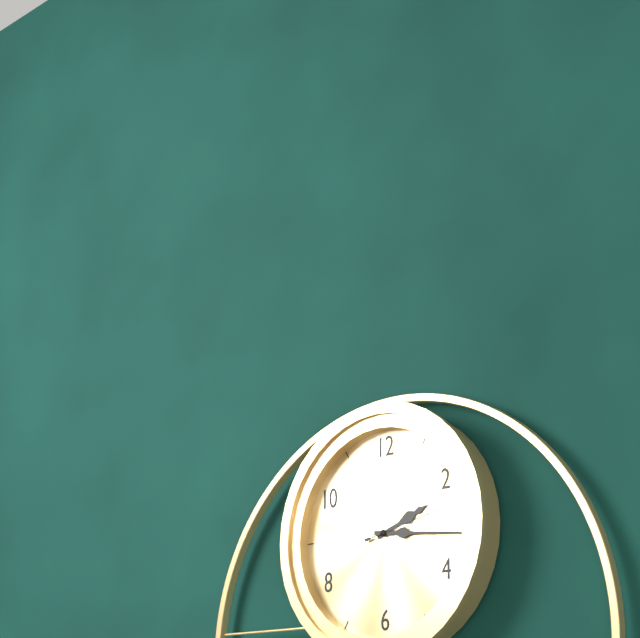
2:16:13
